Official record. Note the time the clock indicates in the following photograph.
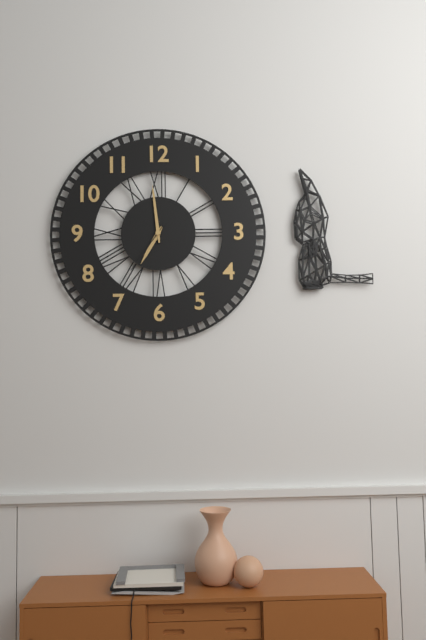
6:59:36
